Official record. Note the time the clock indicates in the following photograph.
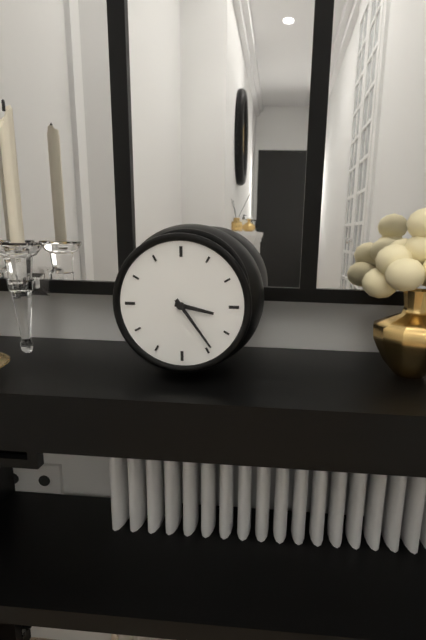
3:24
